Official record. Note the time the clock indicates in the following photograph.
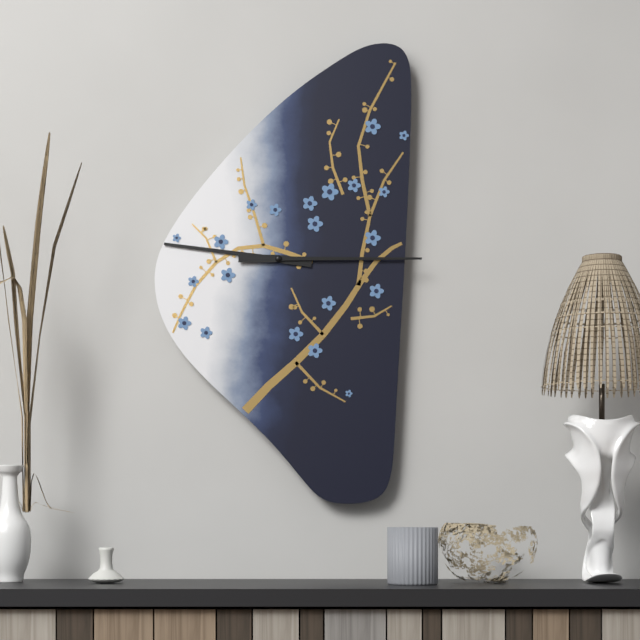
9:15
